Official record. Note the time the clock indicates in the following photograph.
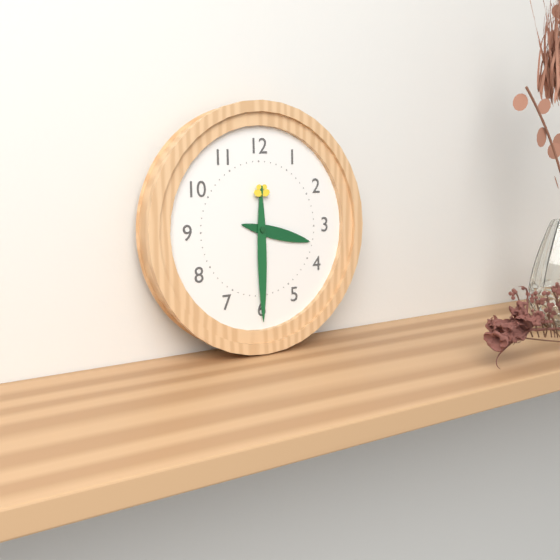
3:30
